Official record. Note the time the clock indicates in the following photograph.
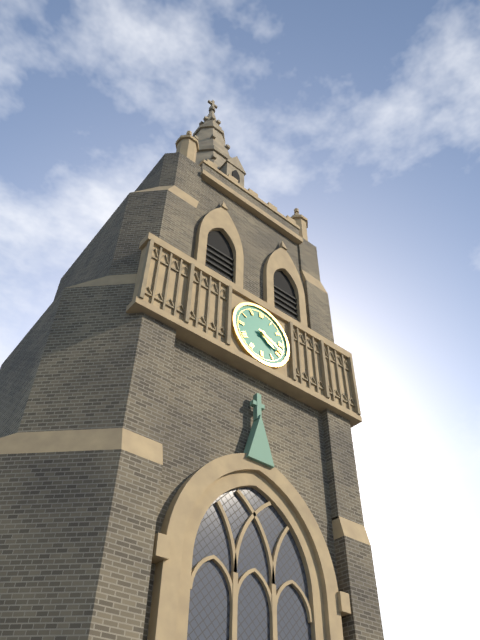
4:19
